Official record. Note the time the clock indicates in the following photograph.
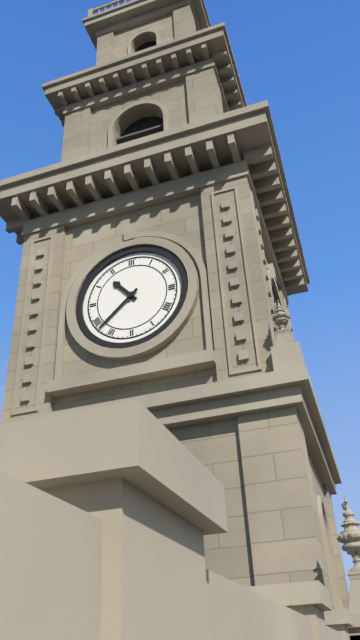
10:38
